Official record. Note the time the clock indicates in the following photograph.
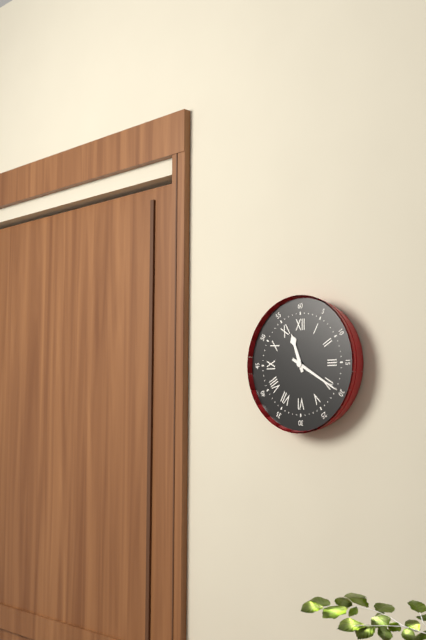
11:20
